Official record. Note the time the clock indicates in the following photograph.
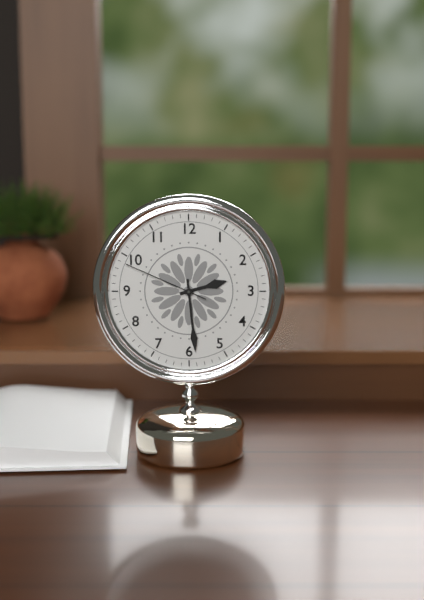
2:29:49
